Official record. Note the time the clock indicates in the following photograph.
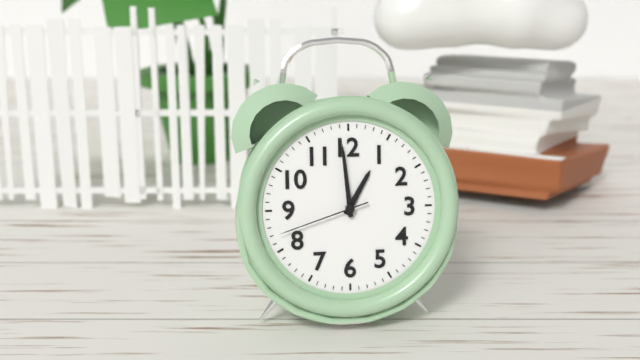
12:59:42
